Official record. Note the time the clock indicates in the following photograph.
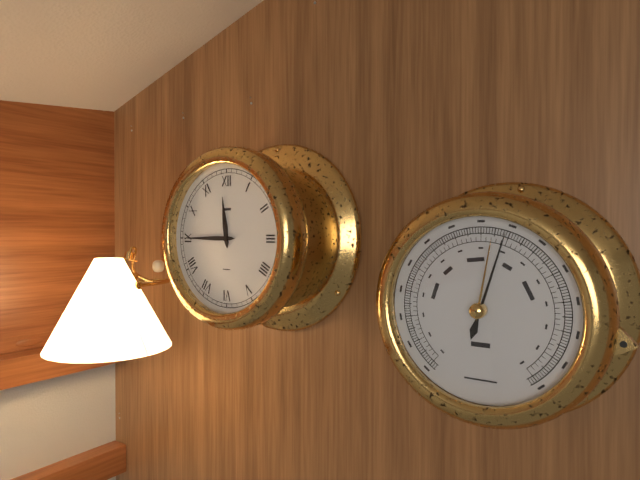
11:45
